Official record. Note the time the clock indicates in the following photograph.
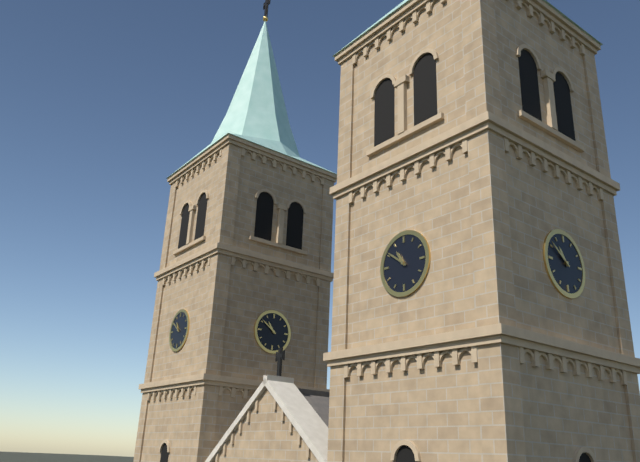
10:51
